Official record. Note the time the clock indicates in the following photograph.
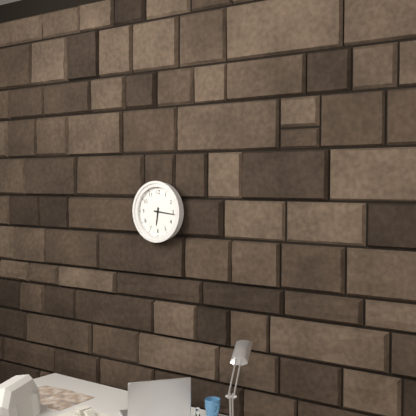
6:16
